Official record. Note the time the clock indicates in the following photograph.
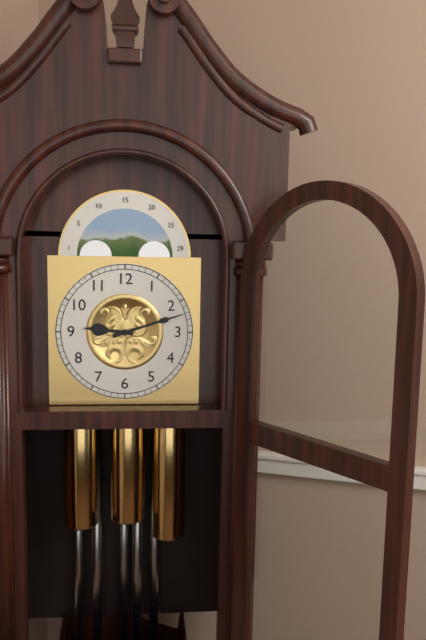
9:12
